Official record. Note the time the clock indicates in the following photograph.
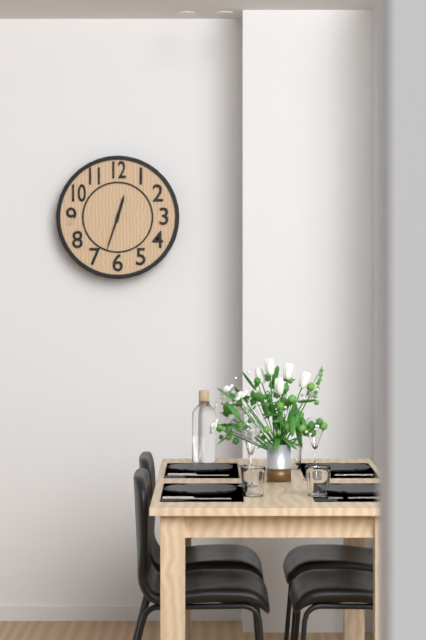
12:33
